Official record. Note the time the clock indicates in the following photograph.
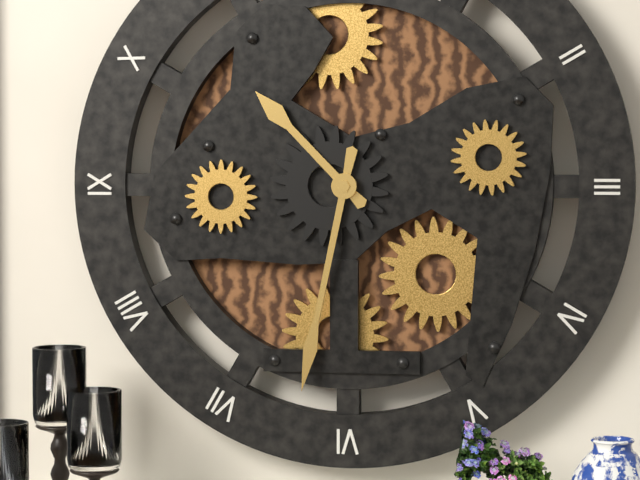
10:32
